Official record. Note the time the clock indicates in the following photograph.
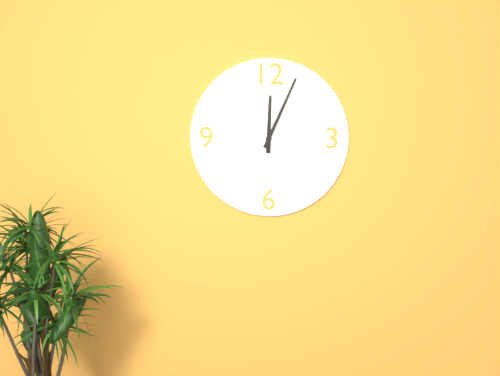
12:04
